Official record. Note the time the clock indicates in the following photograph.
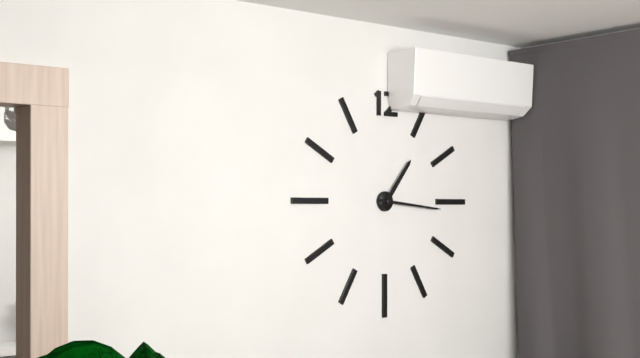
1:16
